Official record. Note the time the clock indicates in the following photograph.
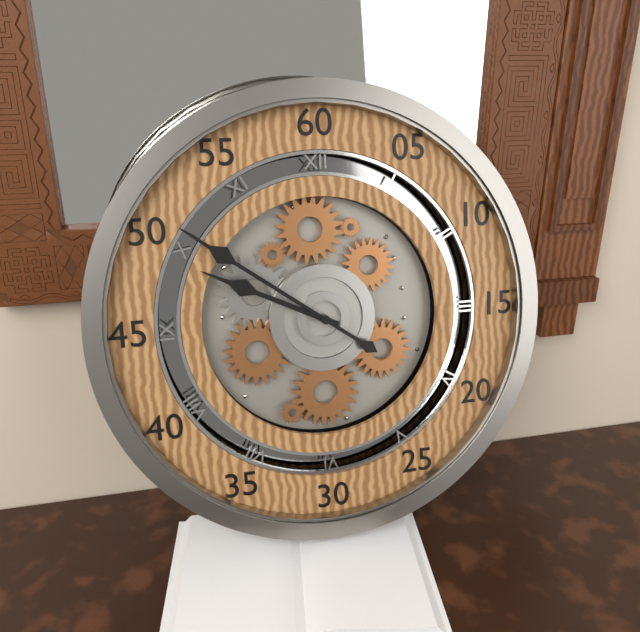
9:51
